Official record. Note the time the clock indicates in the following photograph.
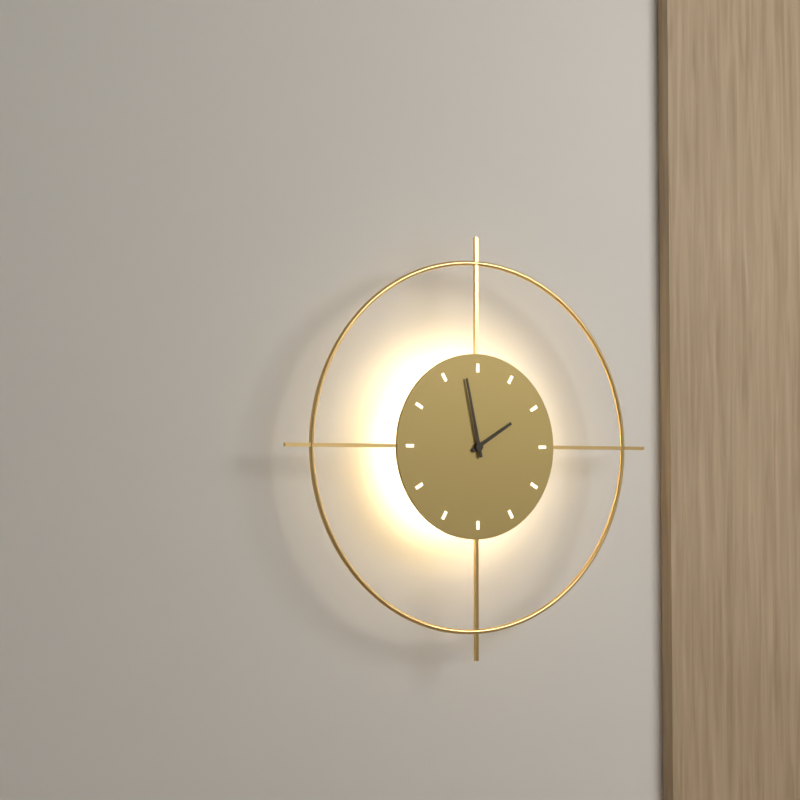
1:58
